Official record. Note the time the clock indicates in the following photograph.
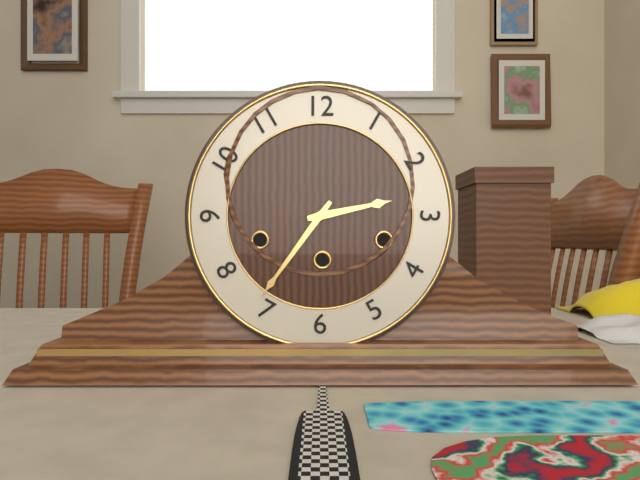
2:36
